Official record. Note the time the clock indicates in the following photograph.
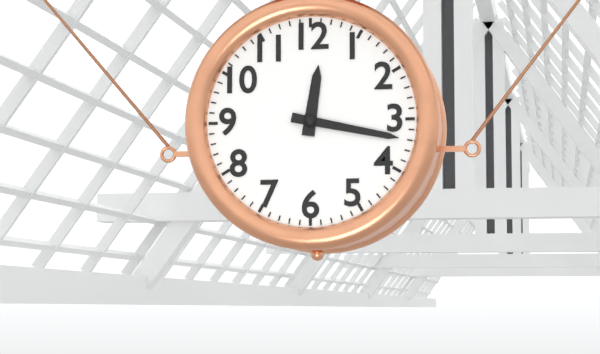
12:17
